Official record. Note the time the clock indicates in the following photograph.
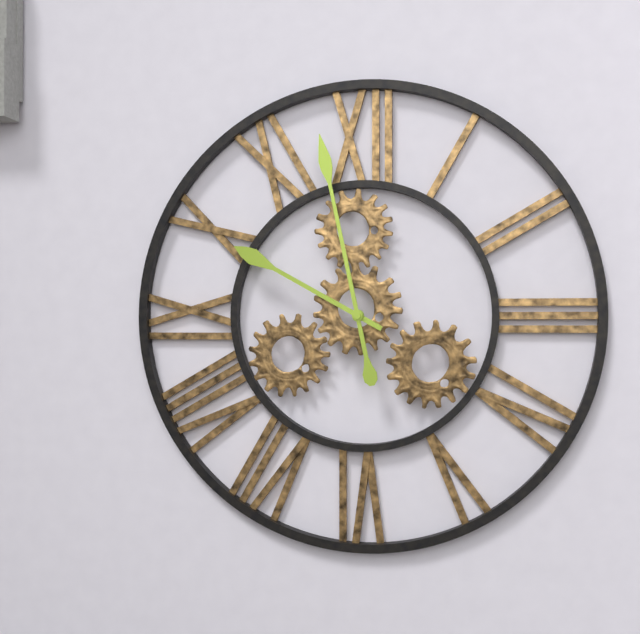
9:58
